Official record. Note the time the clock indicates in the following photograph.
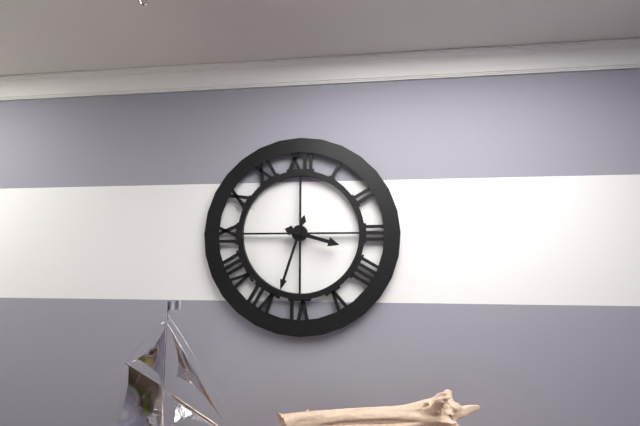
3:33
